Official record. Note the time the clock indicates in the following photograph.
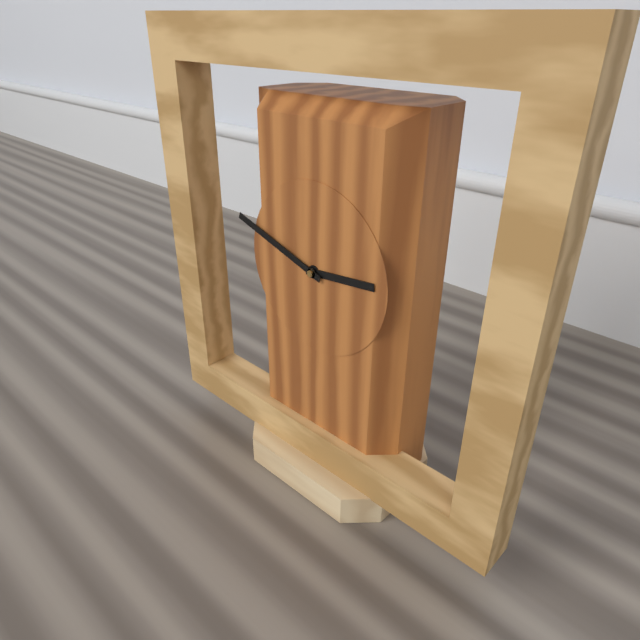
2:48
